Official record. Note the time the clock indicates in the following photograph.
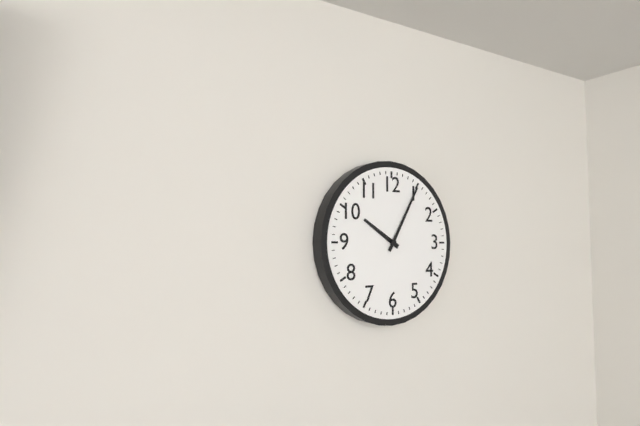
10:05
